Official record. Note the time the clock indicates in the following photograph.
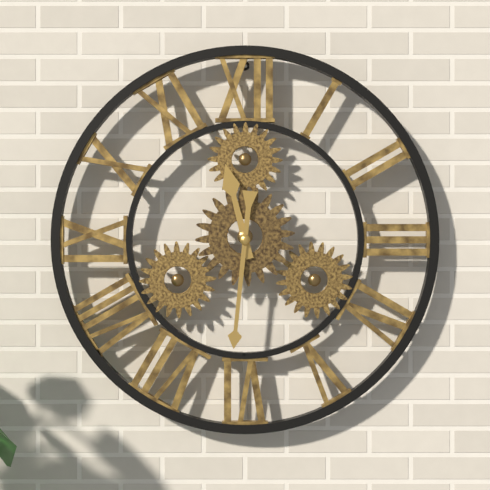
11:31
